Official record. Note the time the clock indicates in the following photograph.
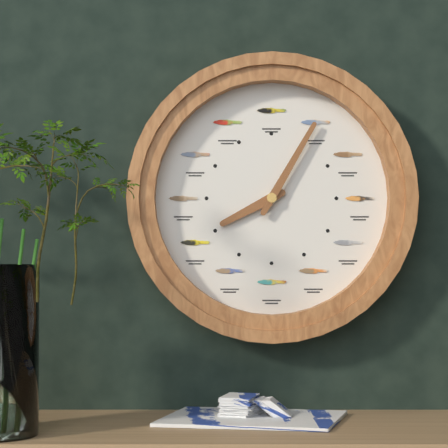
8:05
